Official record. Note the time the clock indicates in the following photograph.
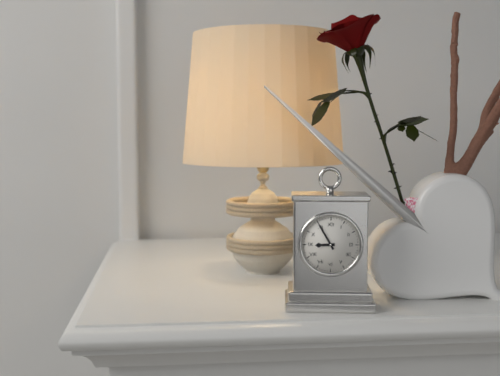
8:55
